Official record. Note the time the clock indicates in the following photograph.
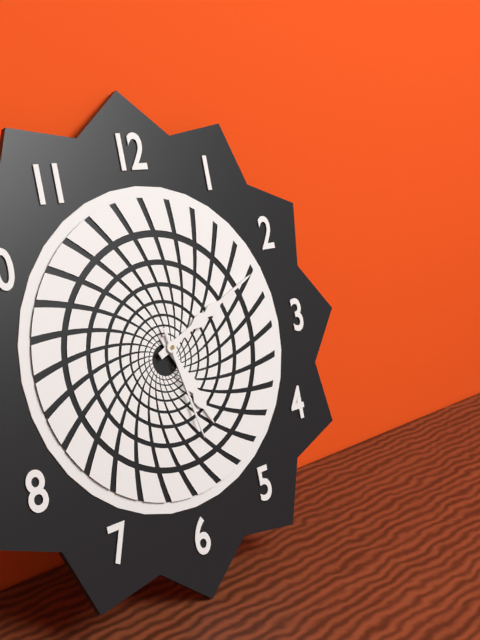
5:11:28
